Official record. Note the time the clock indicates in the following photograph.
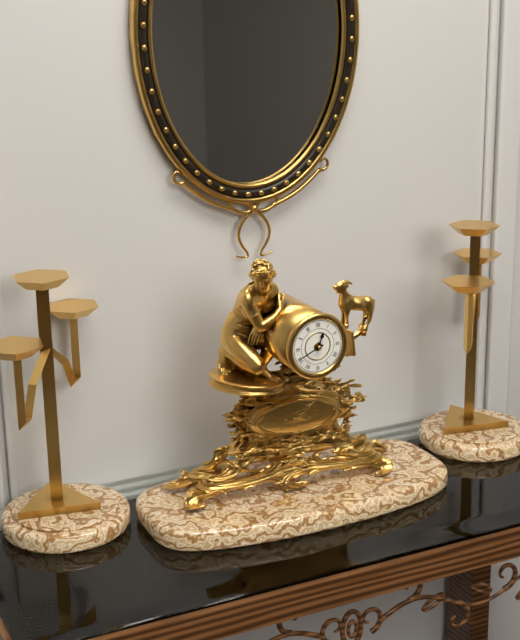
12:41
